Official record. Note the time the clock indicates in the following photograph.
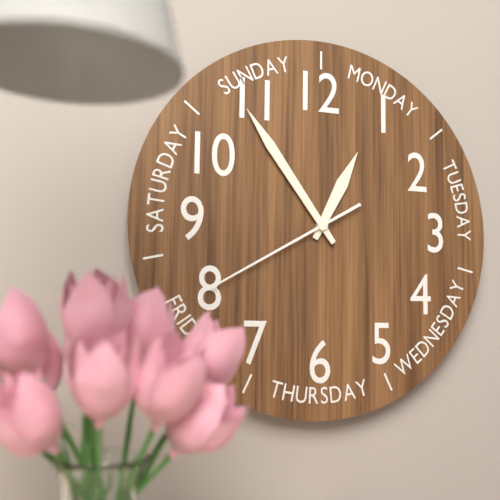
12:54:40
